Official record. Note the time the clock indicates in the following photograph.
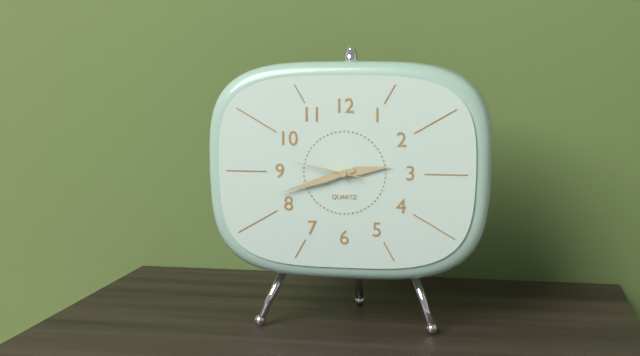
2:42:47
